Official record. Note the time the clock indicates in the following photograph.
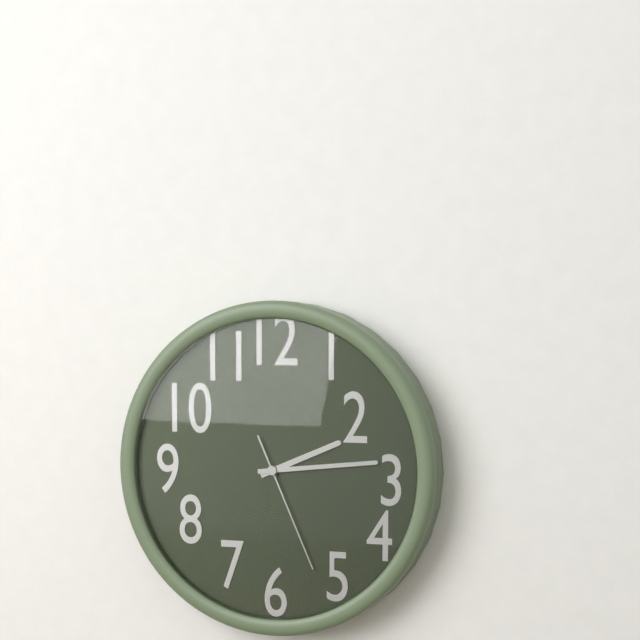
2:14:26
